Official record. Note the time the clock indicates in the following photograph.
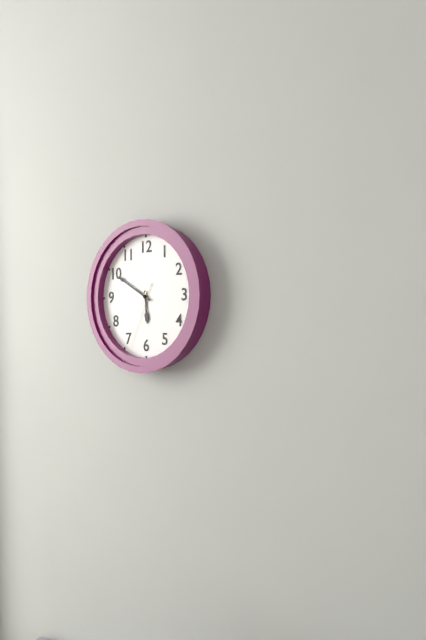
5:50:34
